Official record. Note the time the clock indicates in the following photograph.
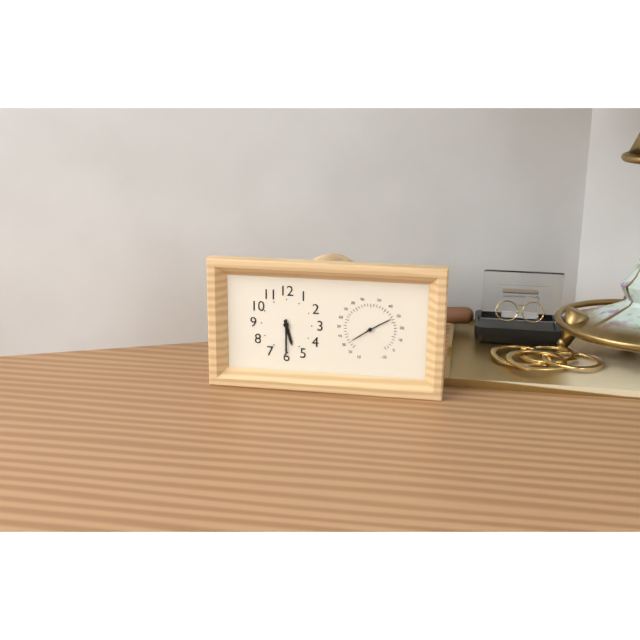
5:30
